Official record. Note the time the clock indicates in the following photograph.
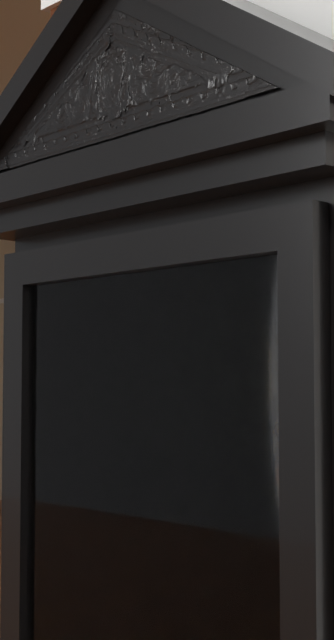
3:01
